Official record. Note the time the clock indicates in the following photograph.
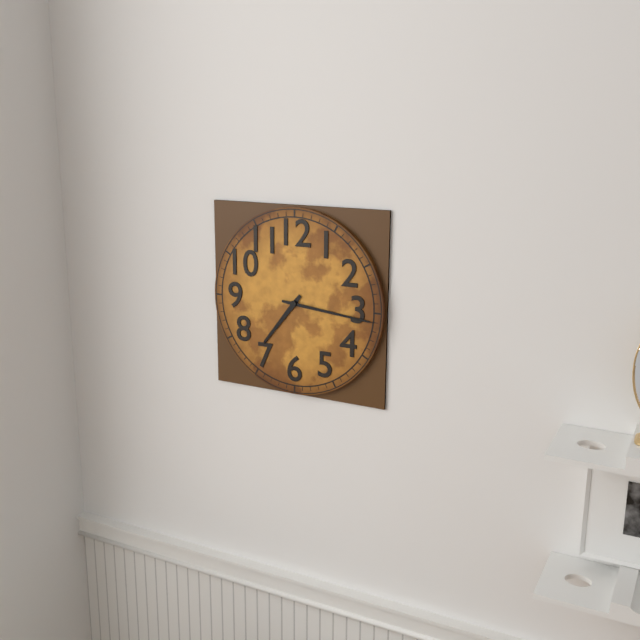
7:16
